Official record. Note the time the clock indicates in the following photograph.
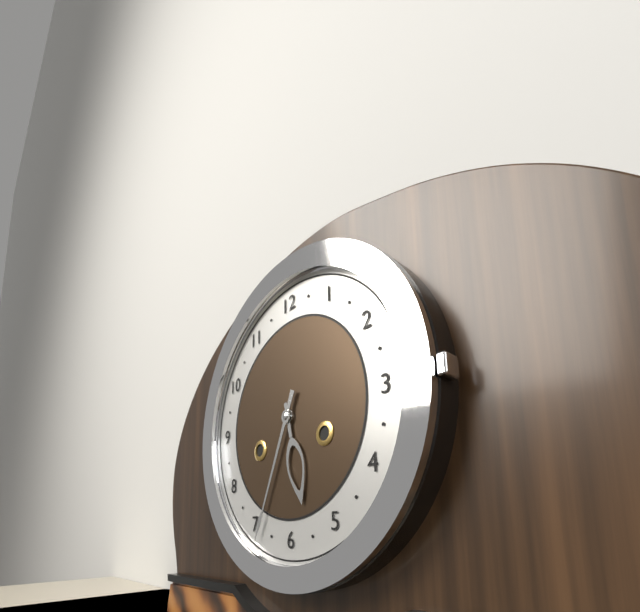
5:34
